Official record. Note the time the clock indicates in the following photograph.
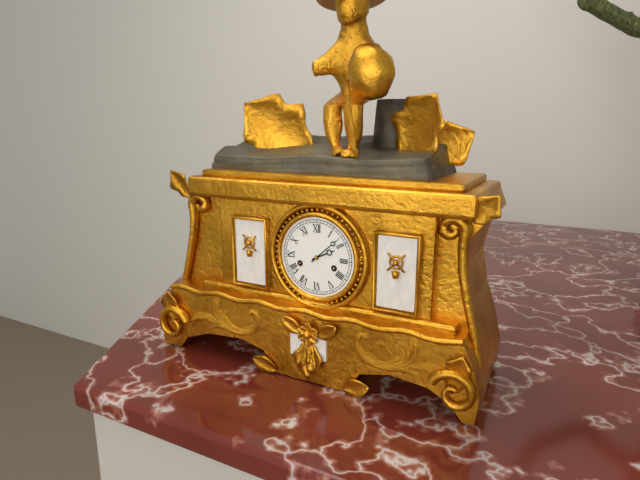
2:08
